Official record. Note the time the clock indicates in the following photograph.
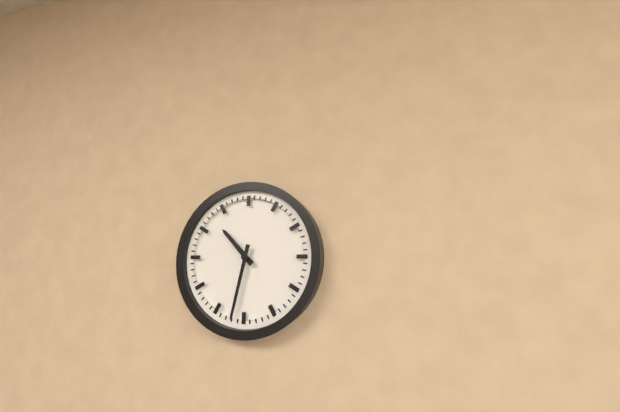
10:32
